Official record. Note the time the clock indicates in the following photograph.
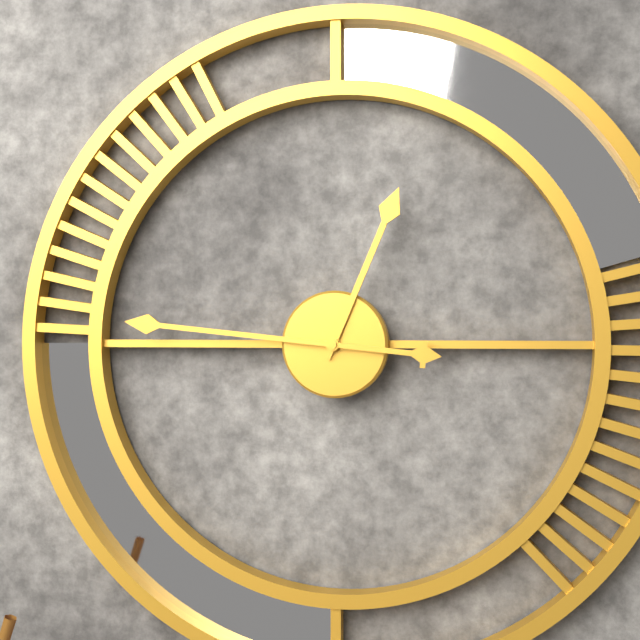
12:46
